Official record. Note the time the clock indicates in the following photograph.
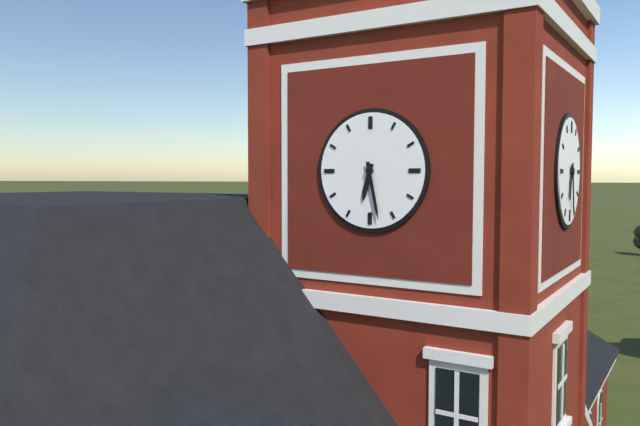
6:28
